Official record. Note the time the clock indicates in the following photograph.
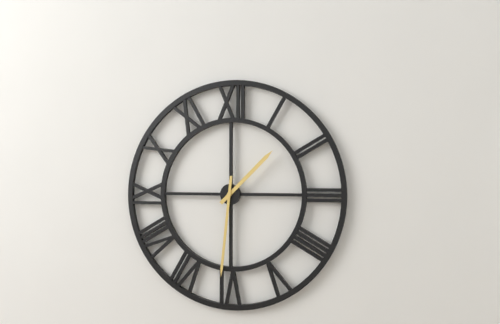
1:31
